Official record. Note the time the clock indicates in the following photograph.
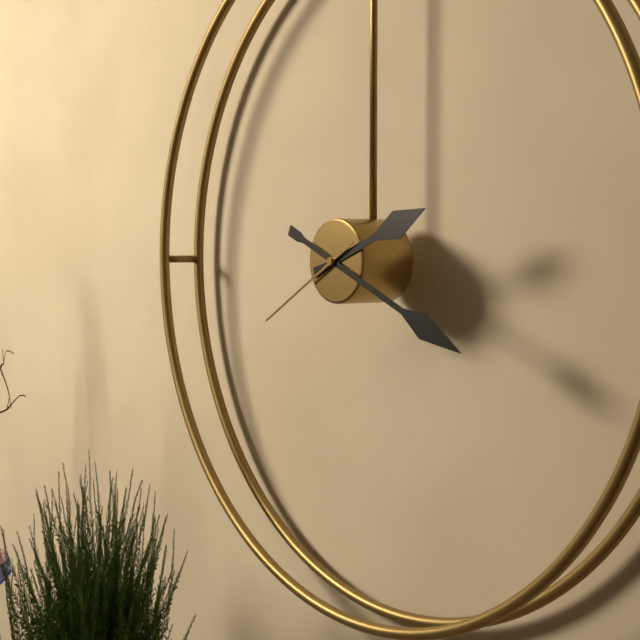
2:19:40
